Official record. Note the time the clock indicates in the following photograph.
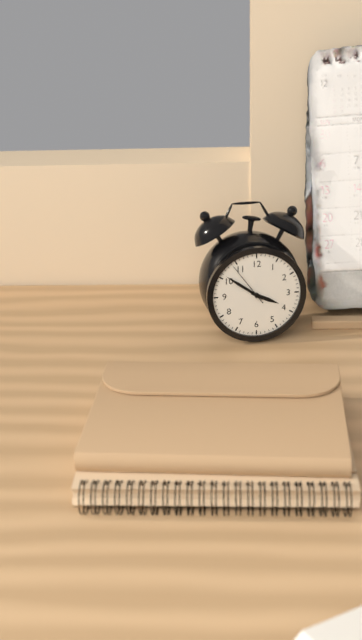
3:51
